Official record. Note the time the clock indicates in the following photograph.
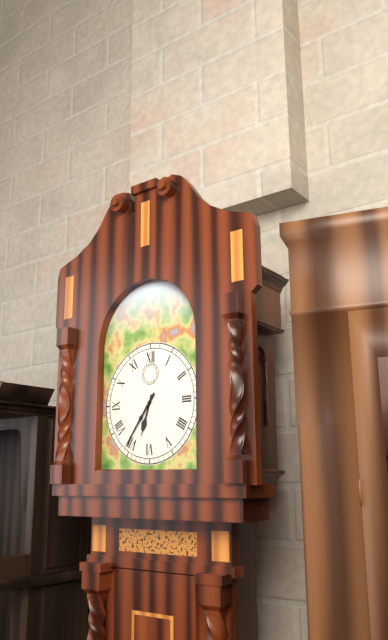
6:36
